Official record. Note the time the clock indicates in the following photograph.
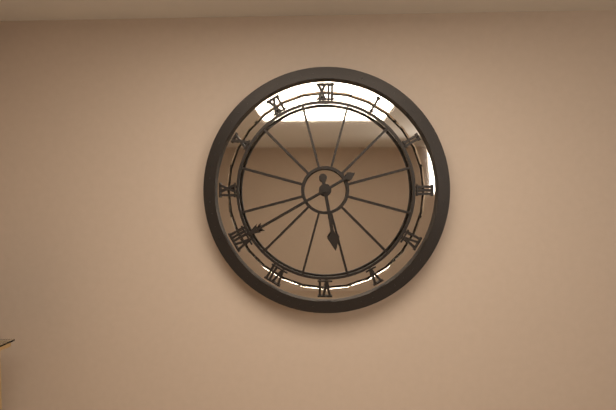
5:40
